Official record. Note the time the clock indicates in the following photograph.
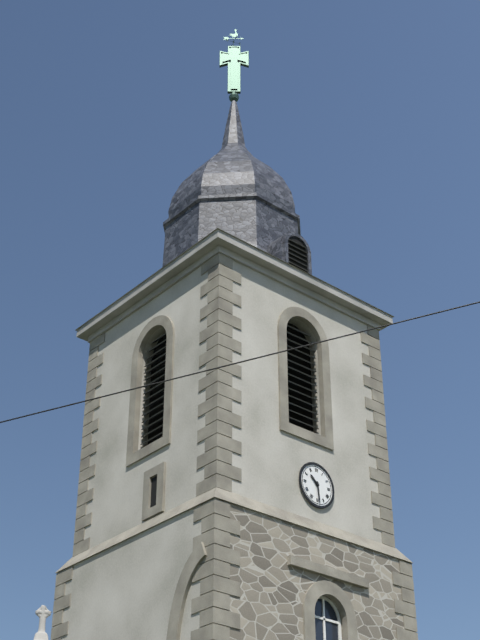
10:29
